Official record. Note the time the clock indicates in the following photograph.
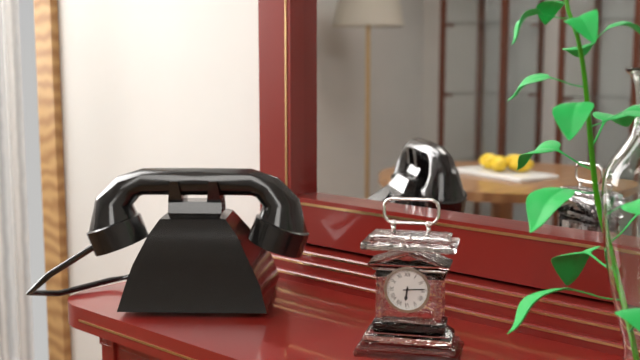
6:14
